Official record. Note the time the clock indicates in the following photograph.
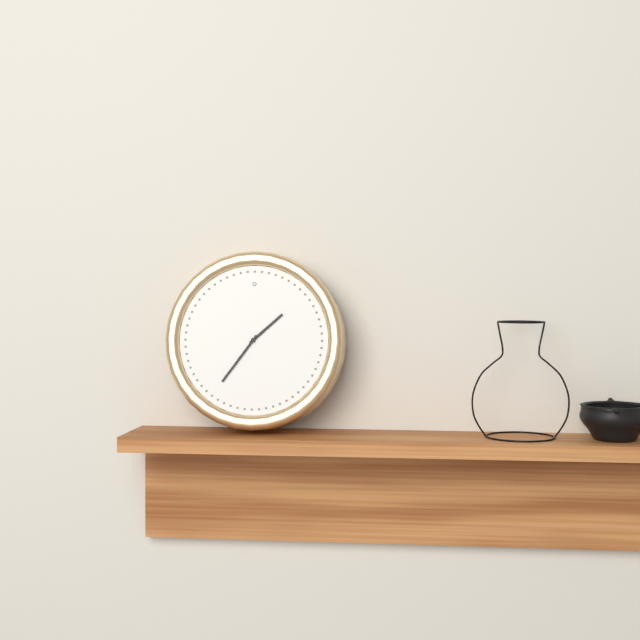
1:36
